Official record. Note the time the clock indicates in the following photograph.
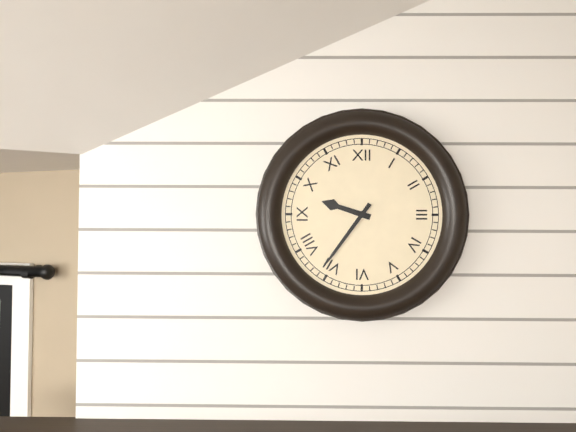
9:36
